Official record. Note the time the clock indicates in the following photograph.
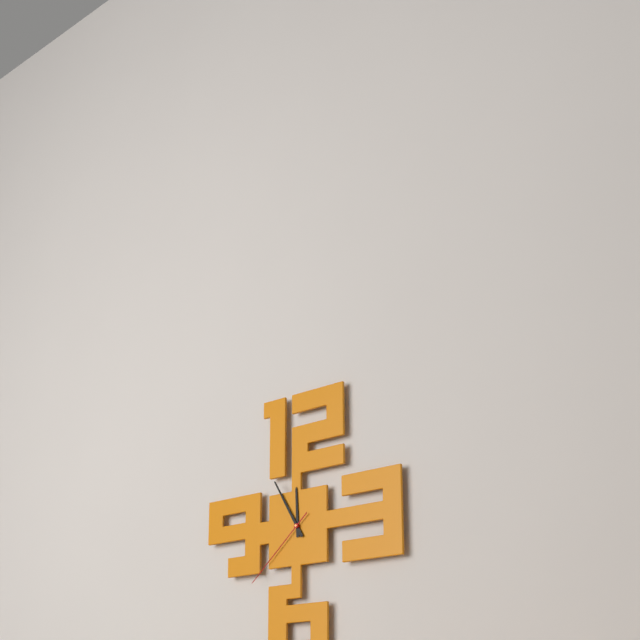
11:55:38
